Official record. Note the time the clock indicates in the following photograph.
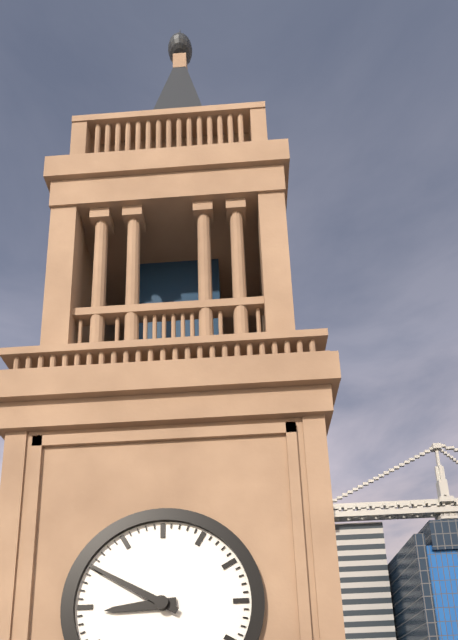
8:50
